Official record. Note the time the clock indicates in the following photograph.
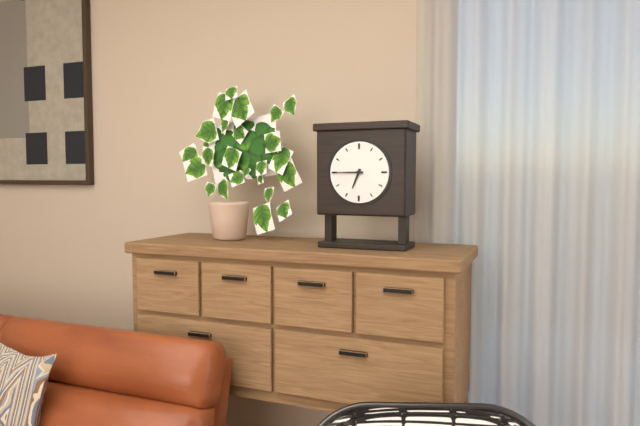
6:45
